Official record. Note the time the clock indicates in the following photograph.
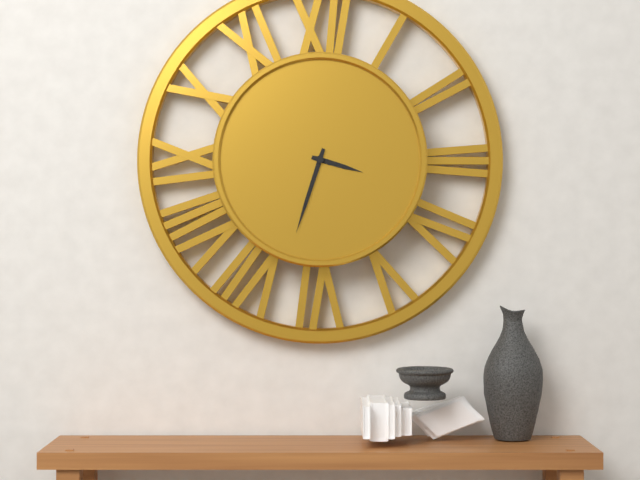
3:33
